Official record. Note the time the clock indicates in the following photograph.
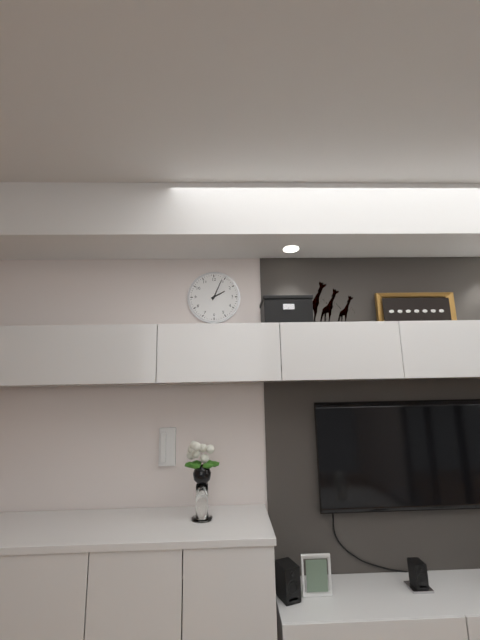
2:04
